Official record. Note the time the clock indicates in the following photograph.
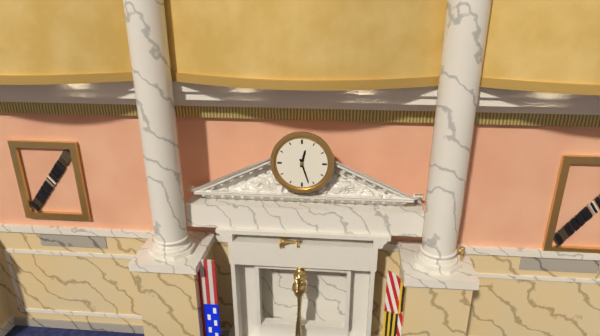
12:27
